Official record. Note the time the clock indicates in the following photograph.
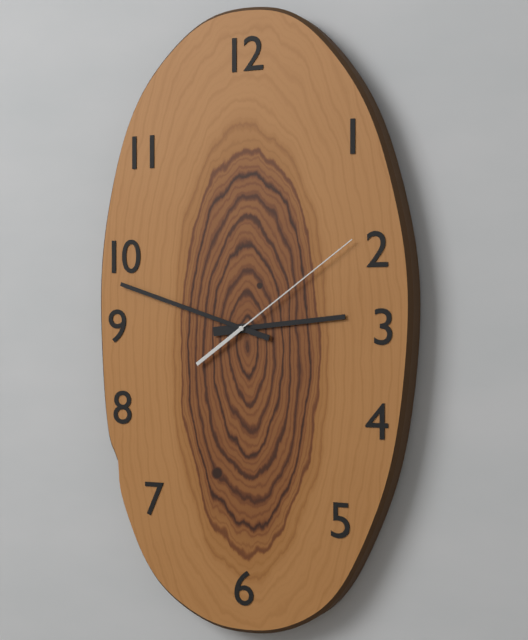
2:48:09
